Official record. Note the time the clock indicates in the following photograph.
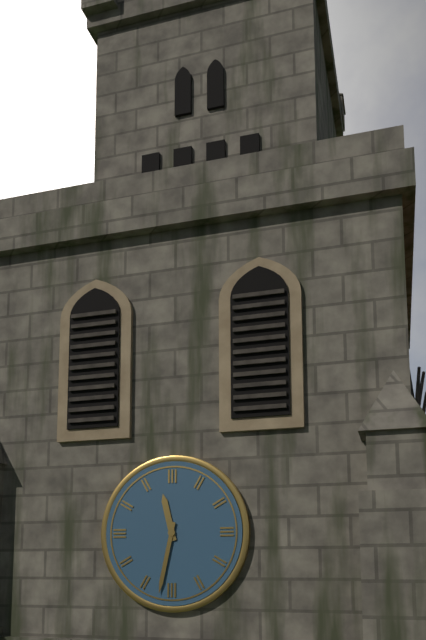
11:32
